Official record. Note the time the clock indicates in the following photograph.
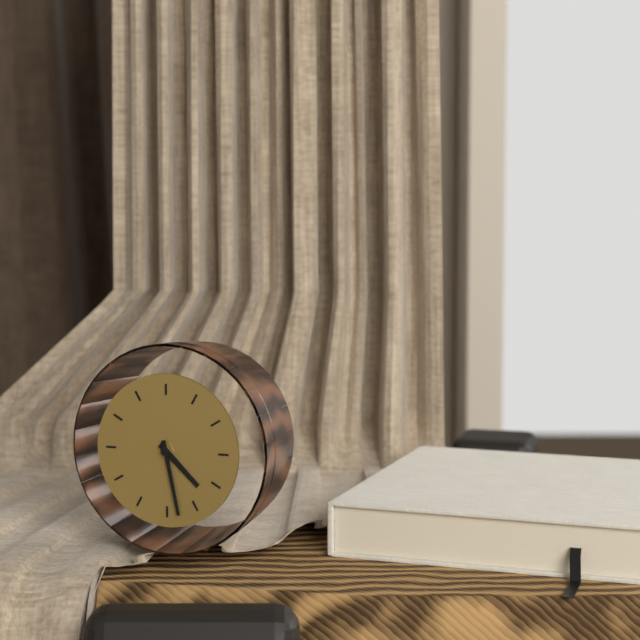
4:28
